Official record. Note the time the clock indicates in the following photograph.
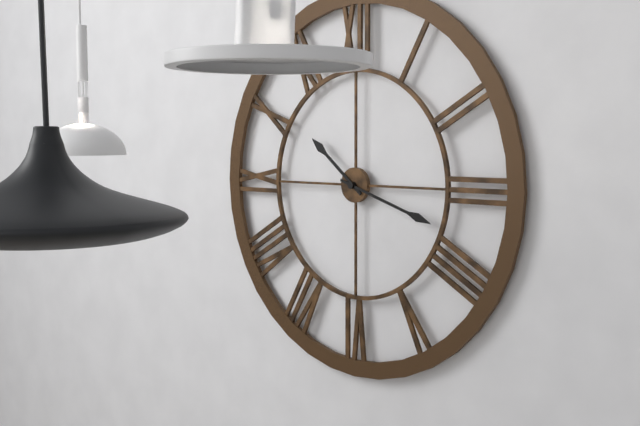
10:18
